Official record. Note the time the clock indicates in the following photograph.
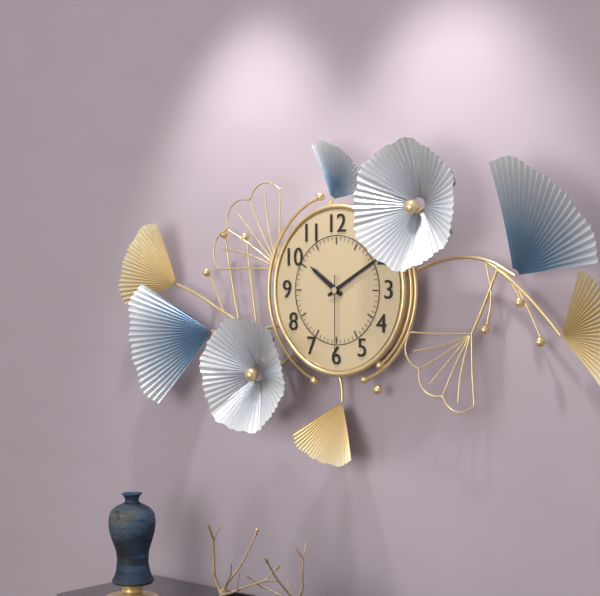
10:10:30
